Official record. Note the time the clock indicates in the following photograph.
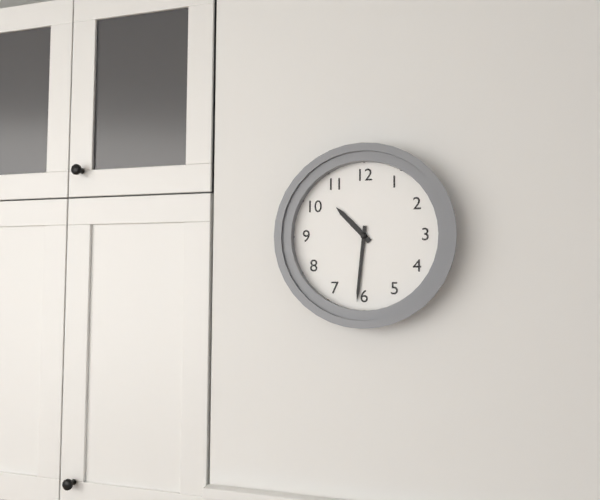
10:31
